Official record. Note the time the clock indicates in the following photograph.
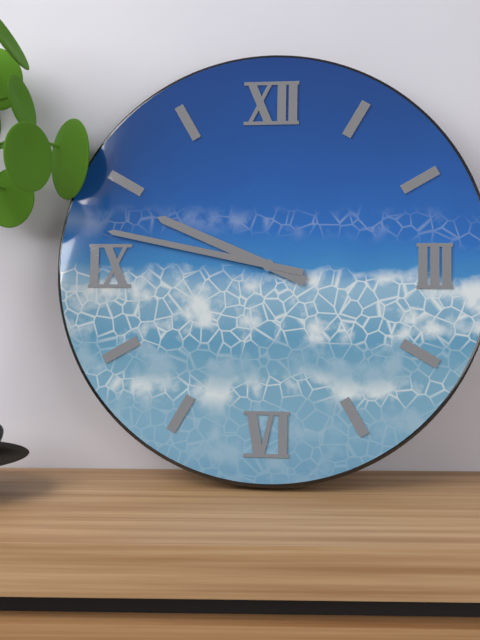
9:47
